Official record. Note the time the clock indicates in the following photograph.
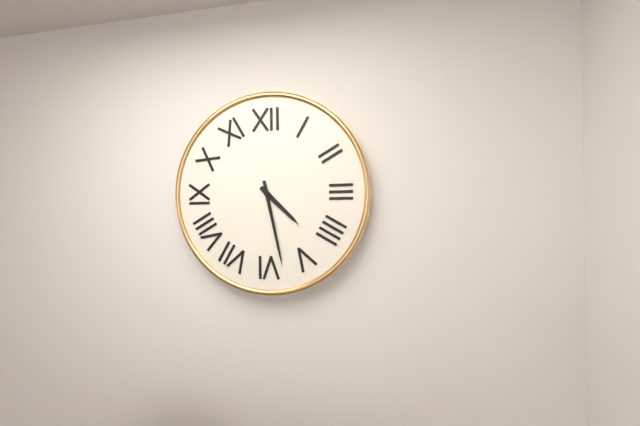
4:28
